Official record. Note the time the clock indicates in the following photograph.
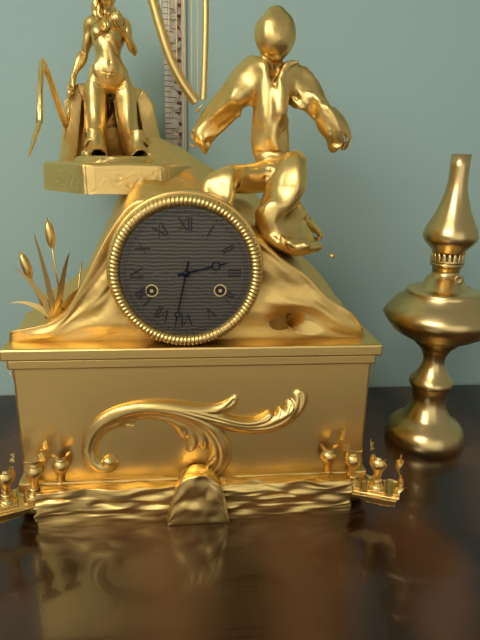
2:32
